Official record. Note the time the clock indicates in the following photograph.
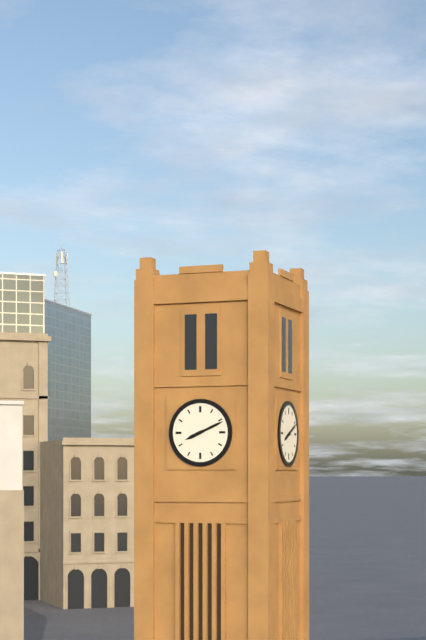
8:11
